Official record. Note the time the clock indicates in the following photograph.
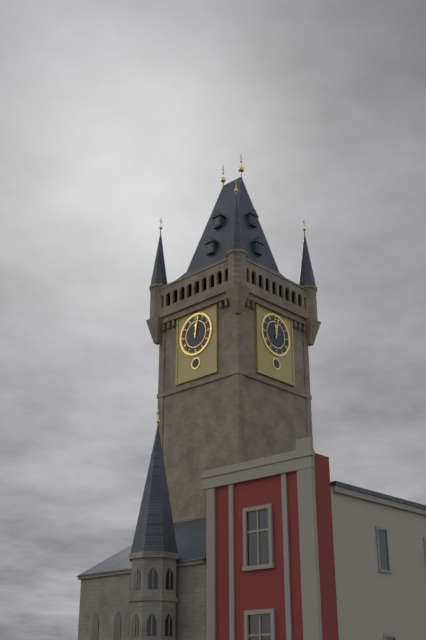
12:02
